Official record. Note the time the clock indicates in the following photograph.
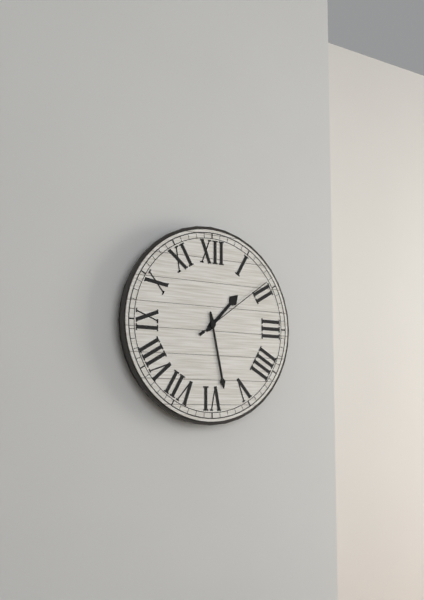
1:28:09
